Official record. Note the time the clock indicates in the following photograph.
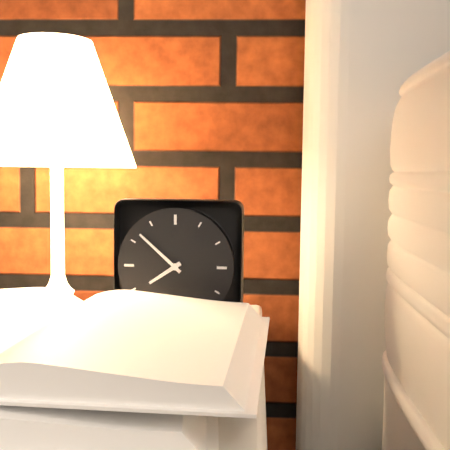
7:52
